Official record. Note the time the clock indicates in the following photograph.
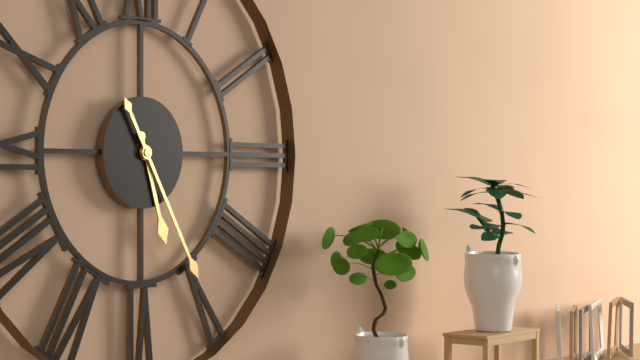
5:25
